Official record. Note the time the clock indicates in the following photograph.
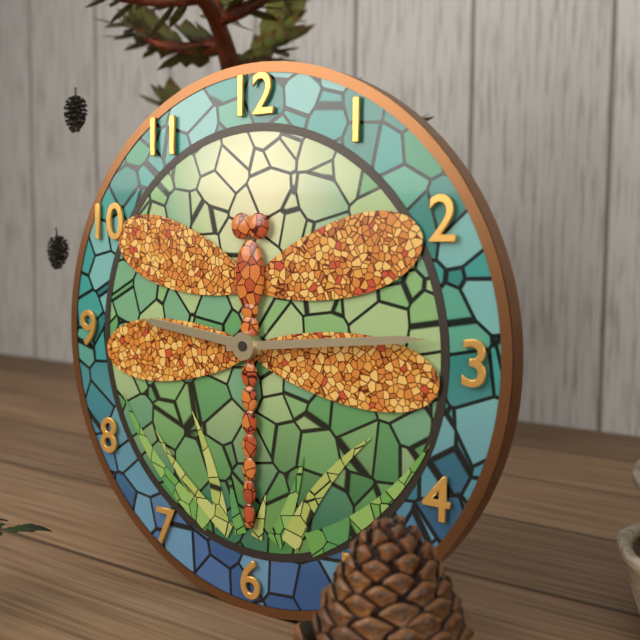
9:14
